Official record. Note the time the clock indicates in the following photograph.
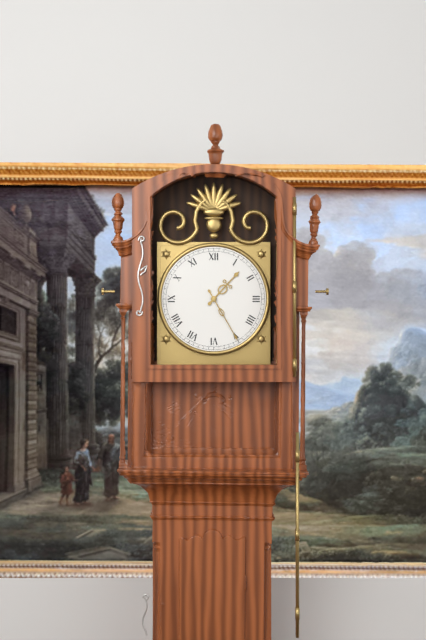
1:25
